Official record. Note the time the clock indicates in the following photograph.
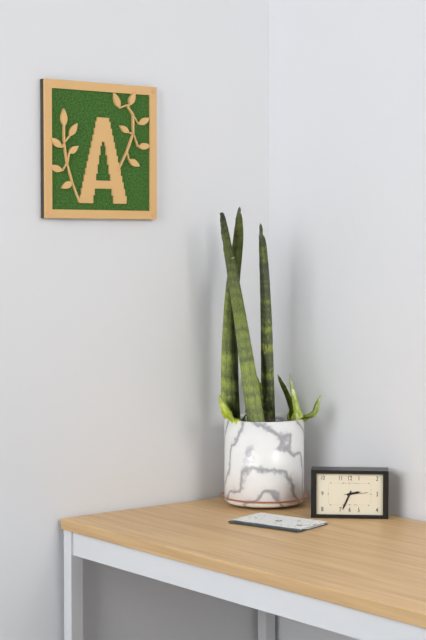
2:34
